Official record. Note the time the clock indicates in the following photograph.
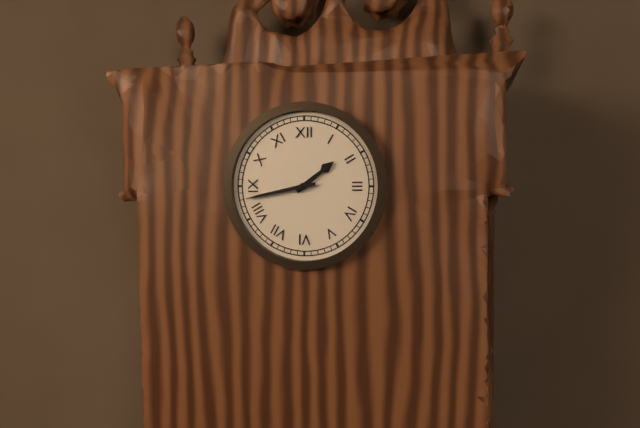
1:43
